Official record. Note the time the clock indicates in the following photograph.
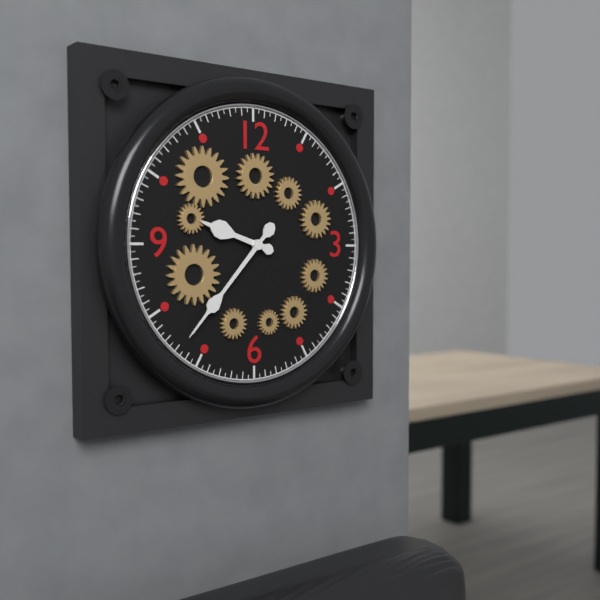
9:37
